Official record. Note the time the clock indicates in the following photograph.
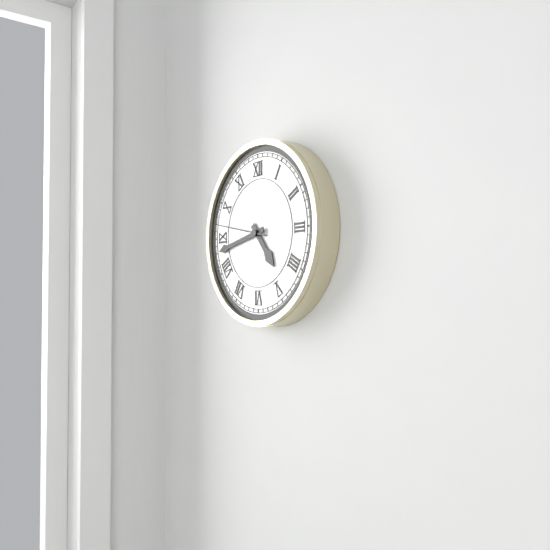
4:43:47
